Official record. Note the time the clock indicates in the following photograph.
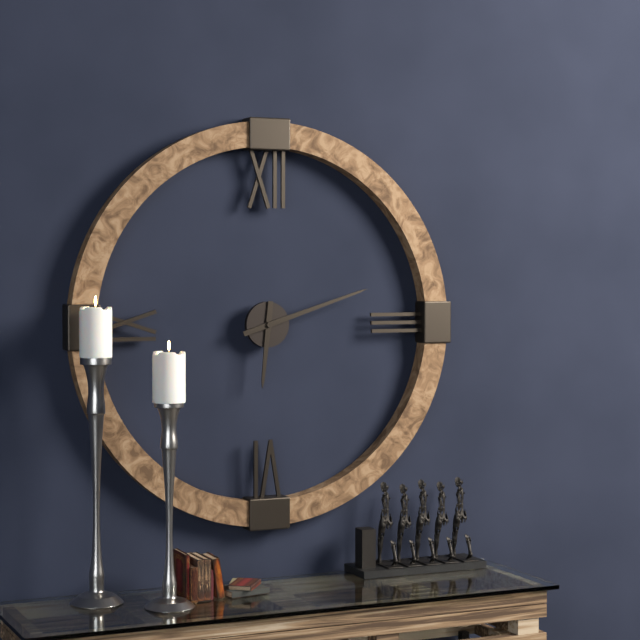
6:12
